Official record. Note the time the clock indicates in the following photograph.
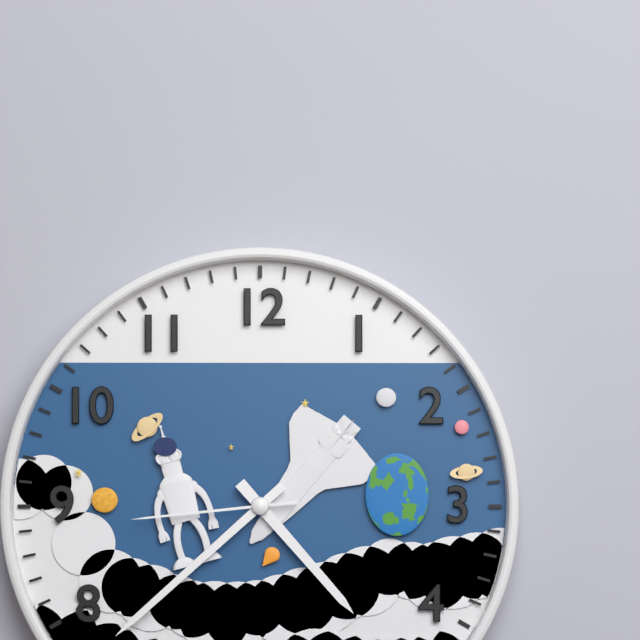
4:38:44
